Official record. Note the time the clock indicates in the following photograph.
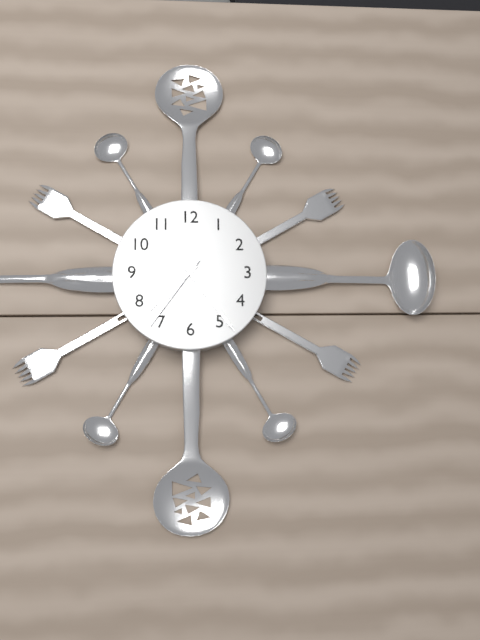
7:24:36
